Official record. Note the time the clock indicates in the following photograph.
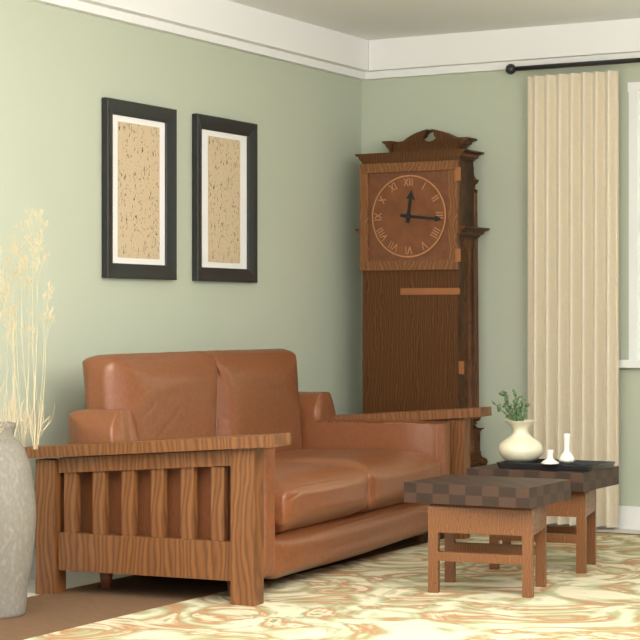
12:16
